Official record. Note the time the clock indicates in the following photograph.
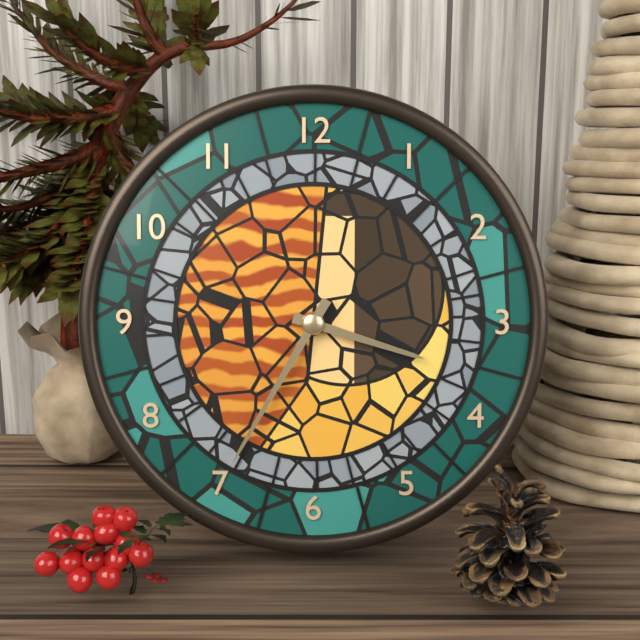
3:35
